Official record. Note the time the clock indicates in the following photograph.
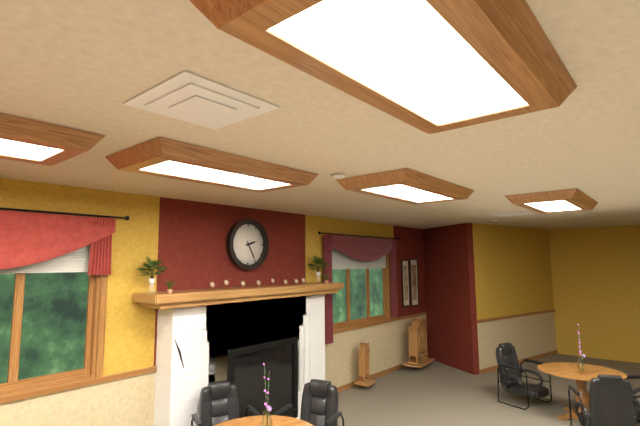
2:25
